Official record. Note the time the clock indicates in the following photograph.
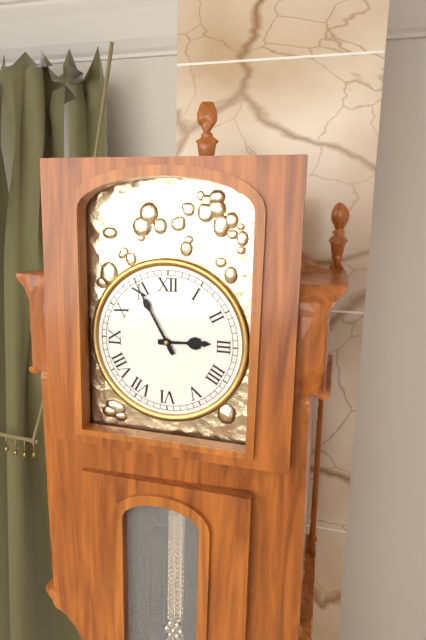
2:55
